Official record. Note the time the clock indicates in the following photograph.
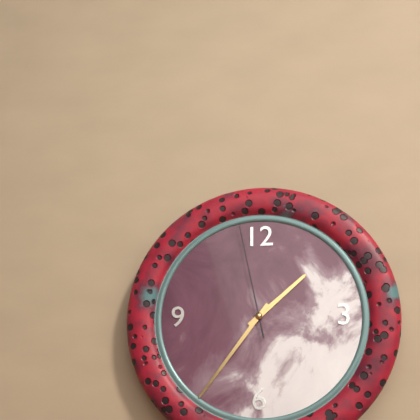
1:36:58
